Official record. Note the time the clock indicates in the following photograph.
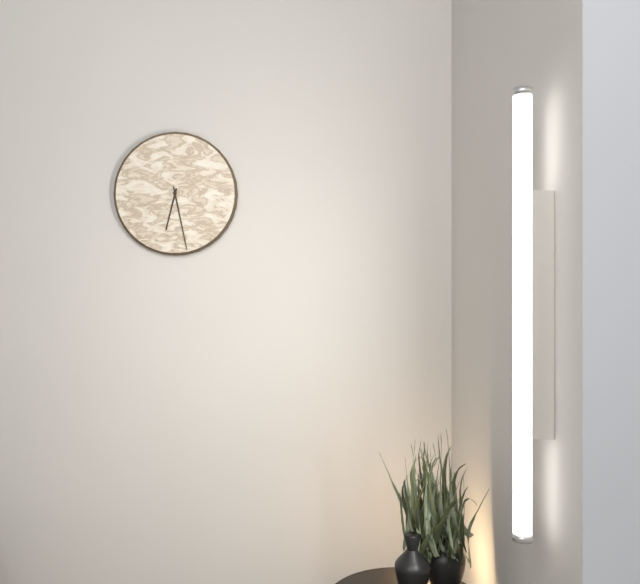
6:28
